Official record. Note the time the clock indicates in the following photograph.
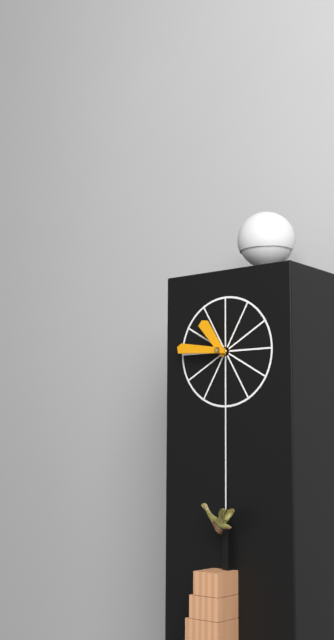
10:46
